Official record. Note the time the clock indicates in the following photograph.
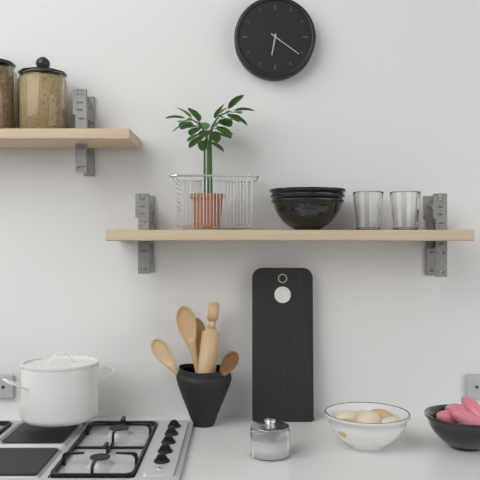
6:21
